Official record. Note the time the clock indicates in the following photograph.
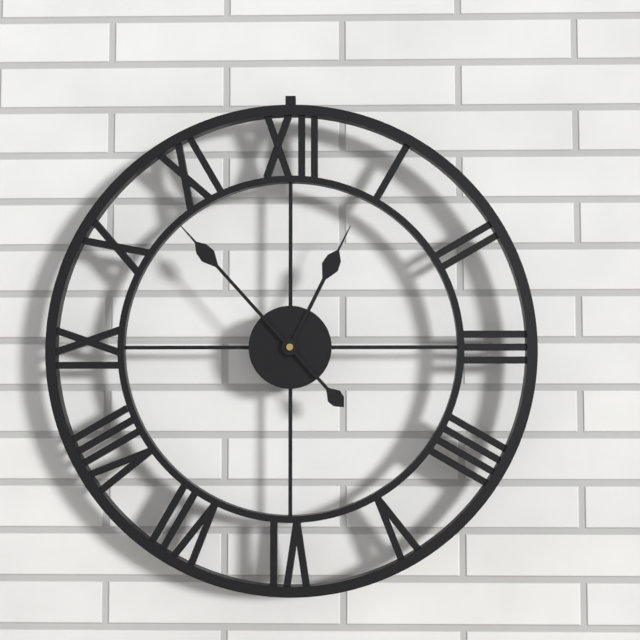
12:53
